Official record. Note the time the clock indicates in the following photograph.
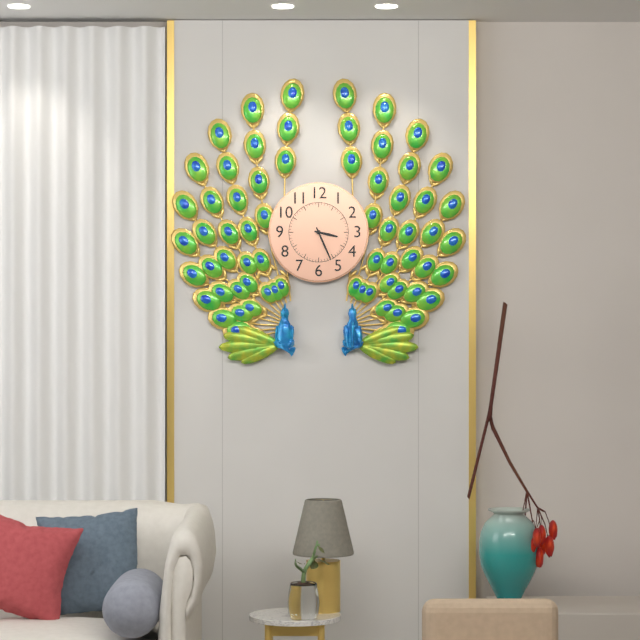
3:26
